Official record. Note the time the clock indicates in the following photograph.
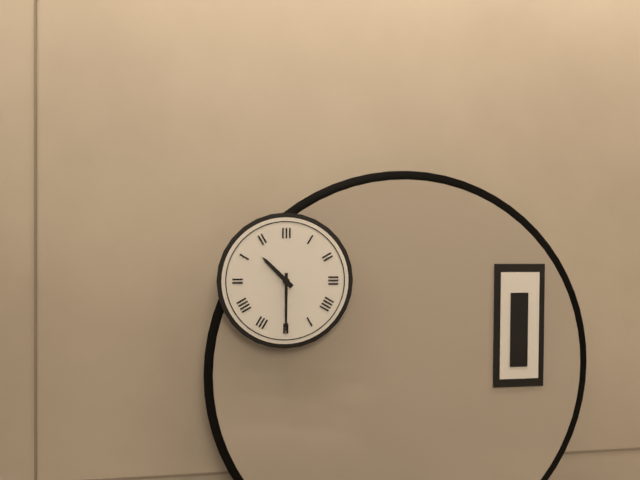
10:30
